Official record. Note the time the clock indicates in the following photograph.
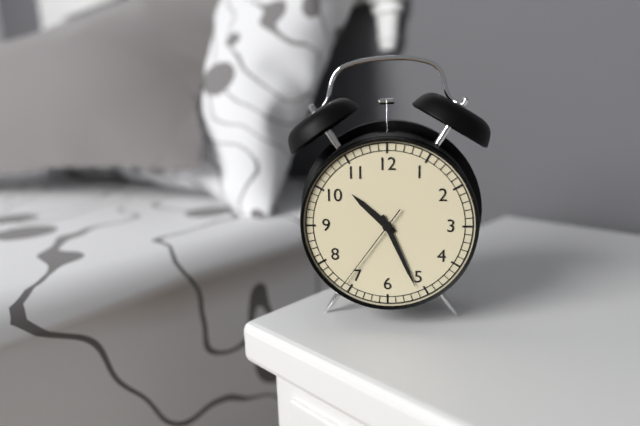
10:26:36
